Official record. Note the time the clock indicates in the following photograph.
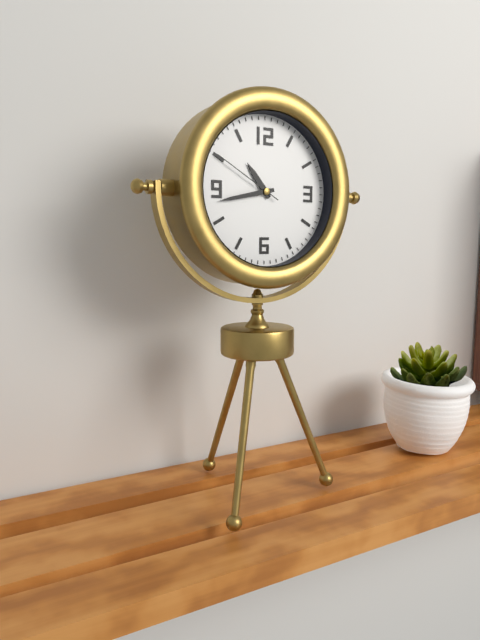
10:43:50
